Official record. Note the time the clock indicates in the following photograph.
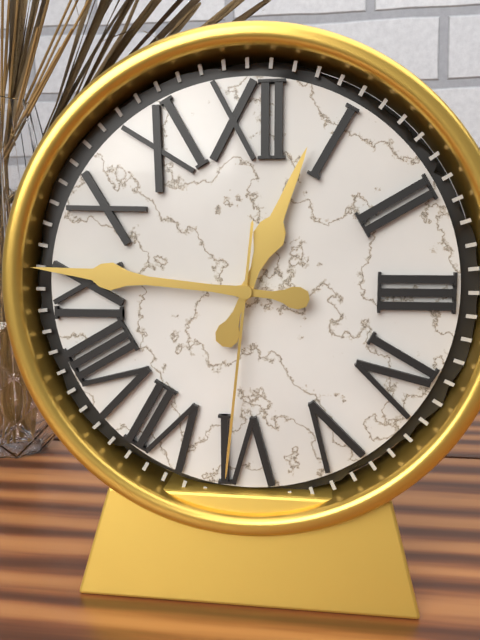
12:46:31
